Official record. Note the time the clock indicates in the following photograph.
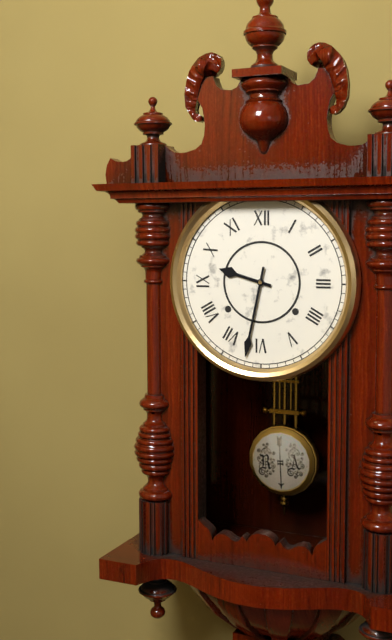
9:32
